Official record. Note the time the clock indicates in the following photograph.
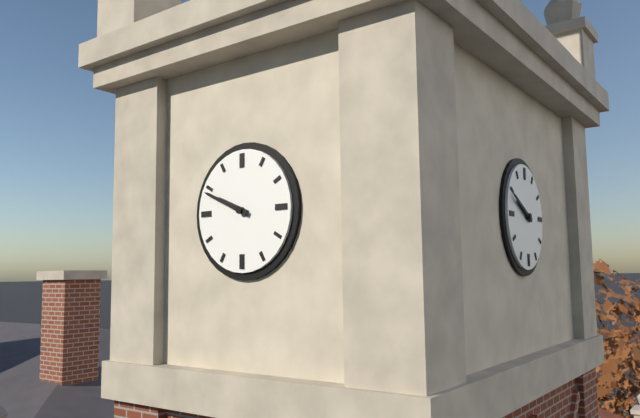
9:49
